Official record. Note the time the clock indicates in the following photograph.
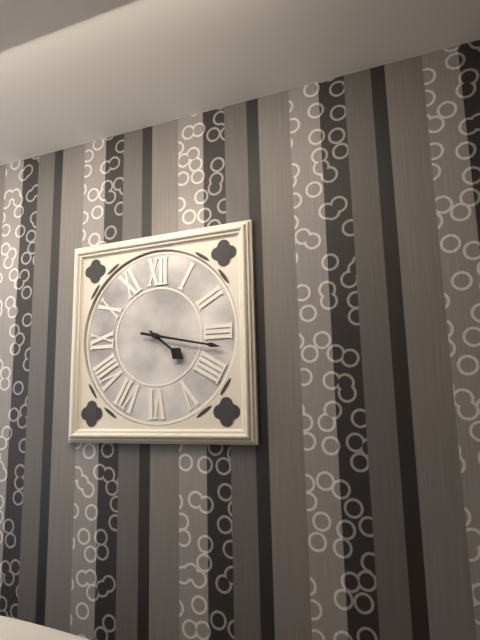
4:17
